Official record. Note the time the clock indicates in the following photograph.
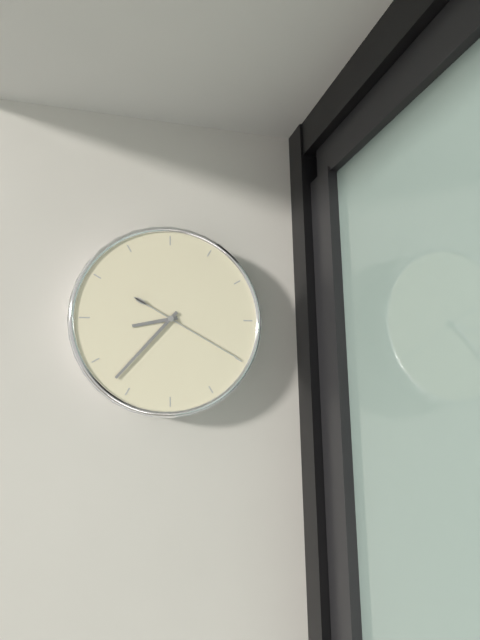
8:37:20
